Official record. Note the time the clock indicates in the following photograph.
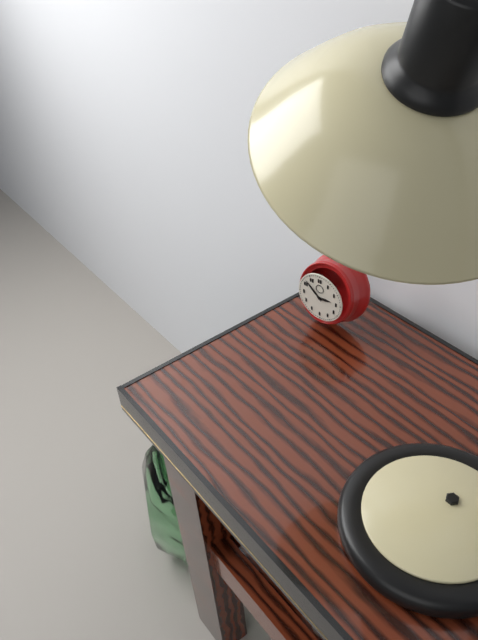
2:52
